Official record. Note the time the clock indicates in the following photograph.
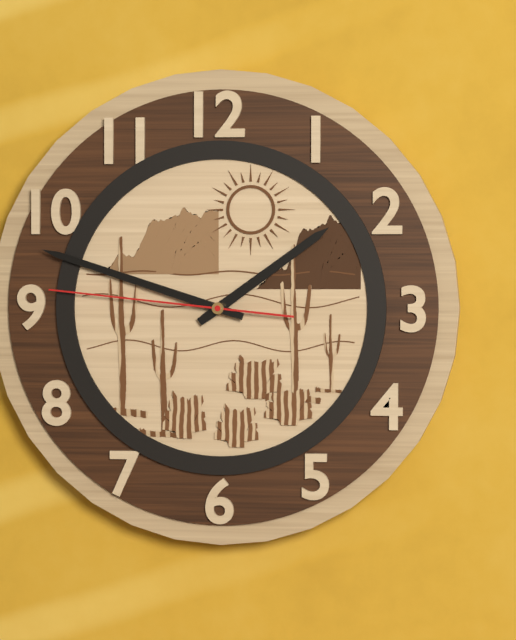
1:48:46
